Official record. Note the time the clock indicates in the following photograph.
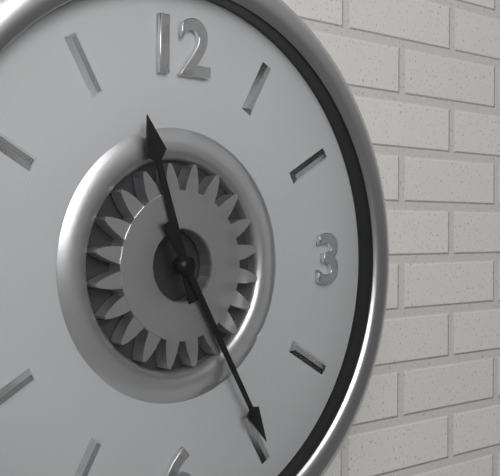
11:25
